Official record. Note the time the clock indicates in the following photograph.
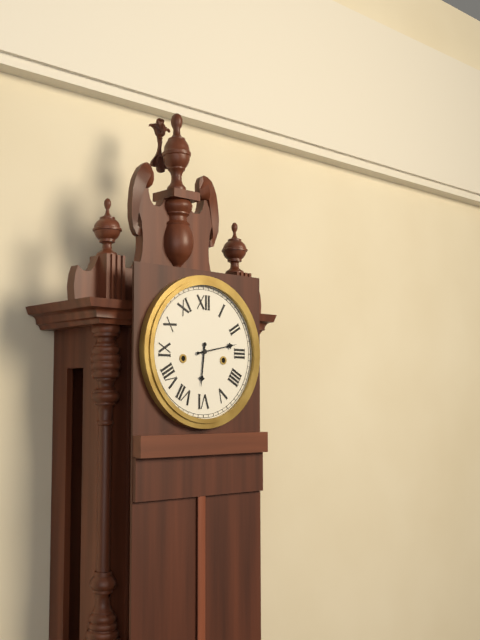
6:13
